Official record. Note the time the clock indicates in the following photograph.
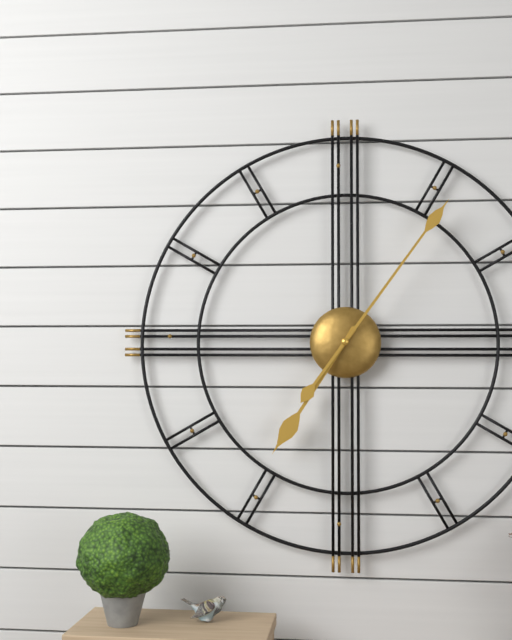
7:06
